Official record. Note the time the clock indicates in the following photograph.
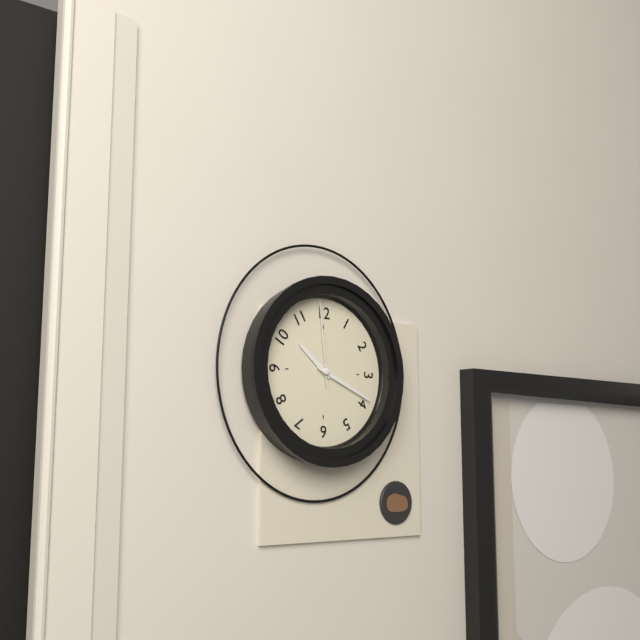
10:19:59
